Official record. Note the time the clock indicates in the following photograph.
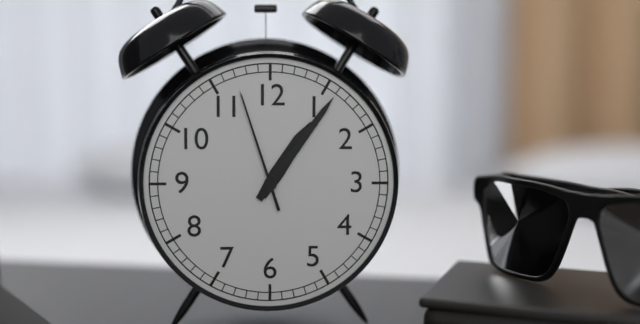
1:06:57
